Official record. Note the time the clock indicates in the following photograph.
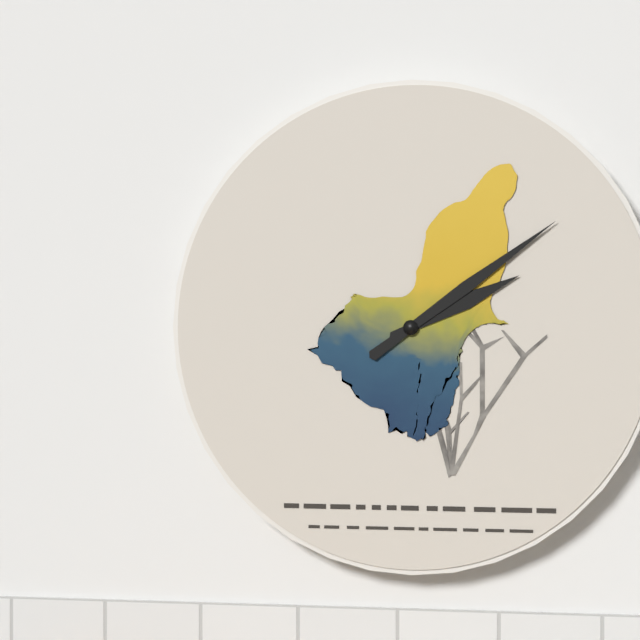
2:09
